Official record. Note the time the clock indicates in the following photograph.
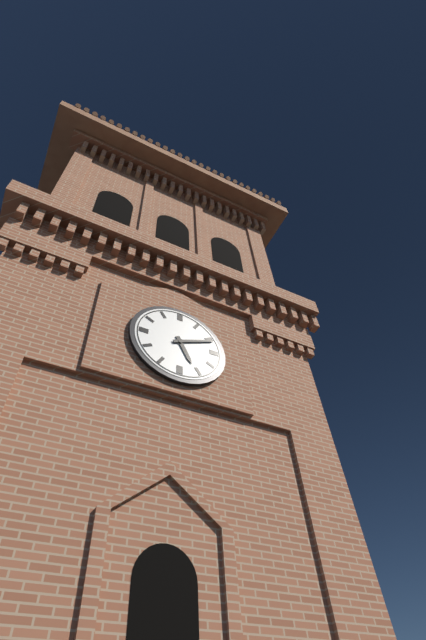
5:11
